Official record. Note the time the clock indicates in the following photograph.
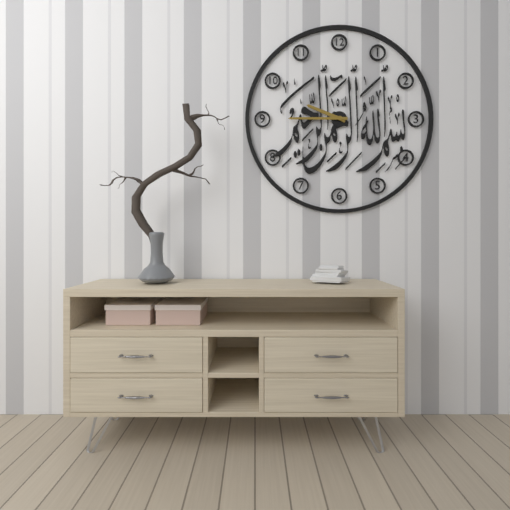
9:45
